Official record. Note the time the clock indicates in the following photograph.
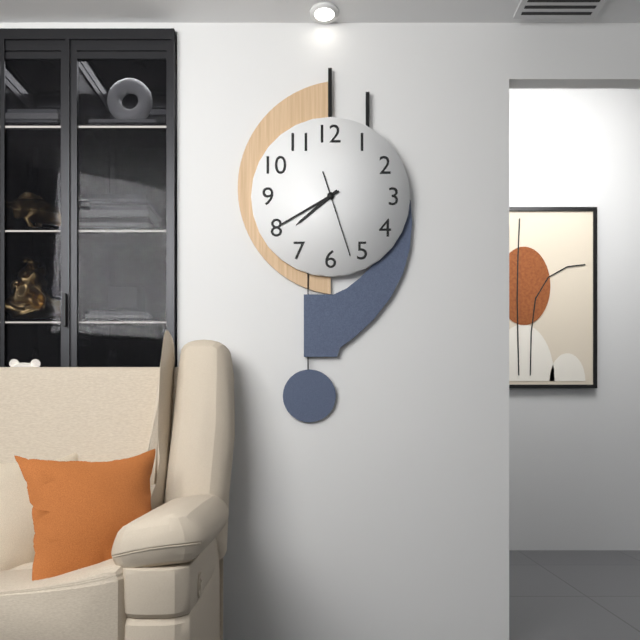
7:40:27
